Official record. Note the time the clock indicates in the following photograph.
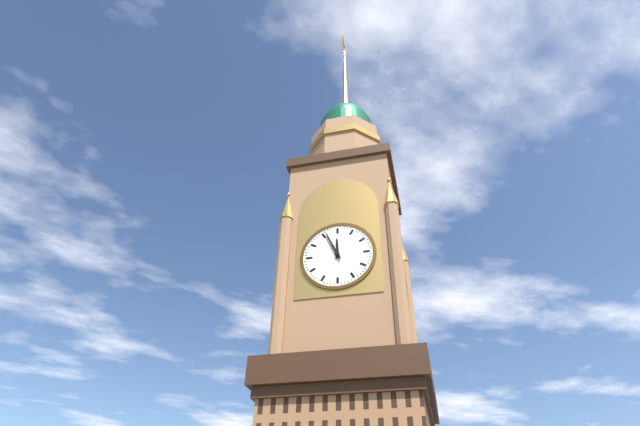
11:56
